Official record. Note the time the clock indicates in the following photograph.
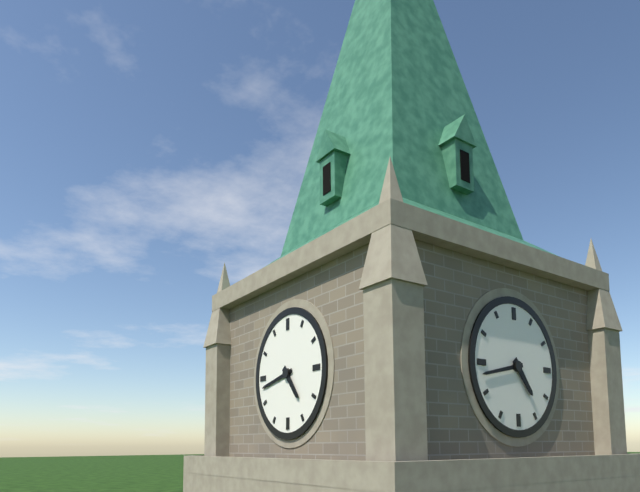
4:43
